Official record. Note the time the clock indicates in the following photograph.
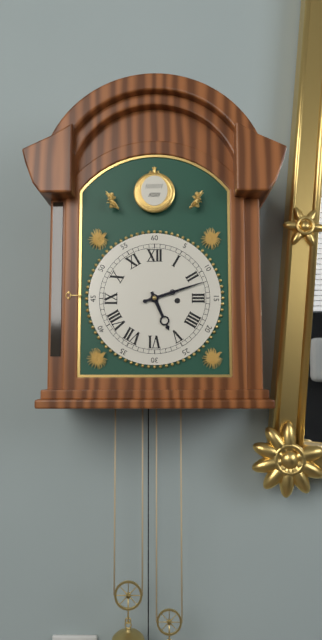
5:12
